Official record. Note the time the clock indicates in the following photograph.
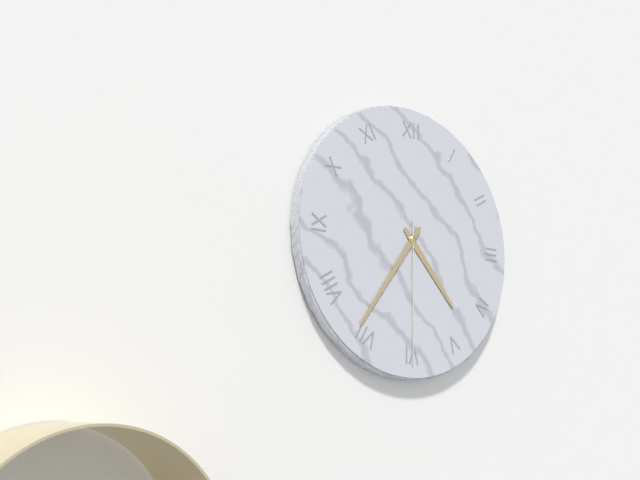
4:36:30
